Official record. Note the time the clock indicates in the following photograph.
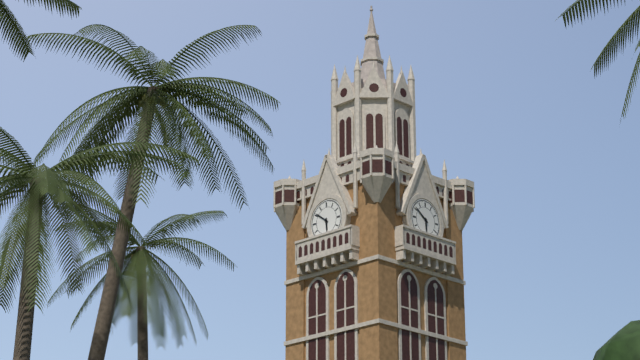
5:51
